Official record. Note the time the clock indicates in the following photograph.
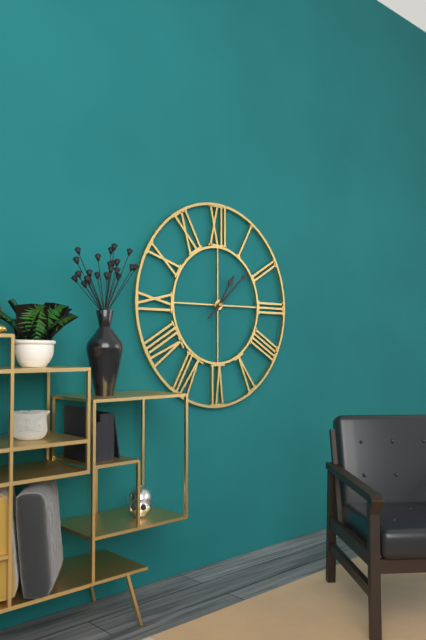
1:08
